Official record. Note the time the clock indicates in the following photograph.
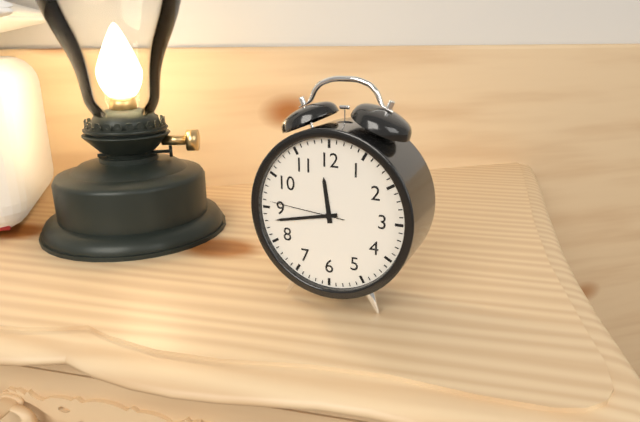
11:43:46
